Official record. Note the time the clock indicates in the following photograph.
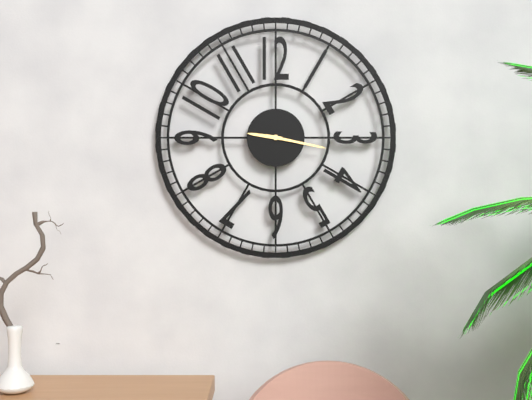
9:17
